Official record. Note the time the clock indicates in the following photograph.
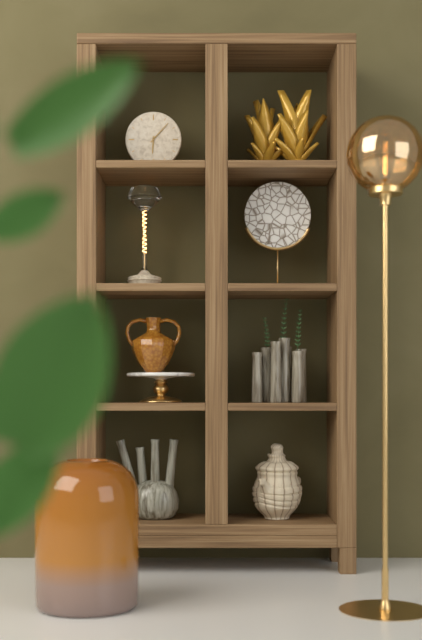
6:07
